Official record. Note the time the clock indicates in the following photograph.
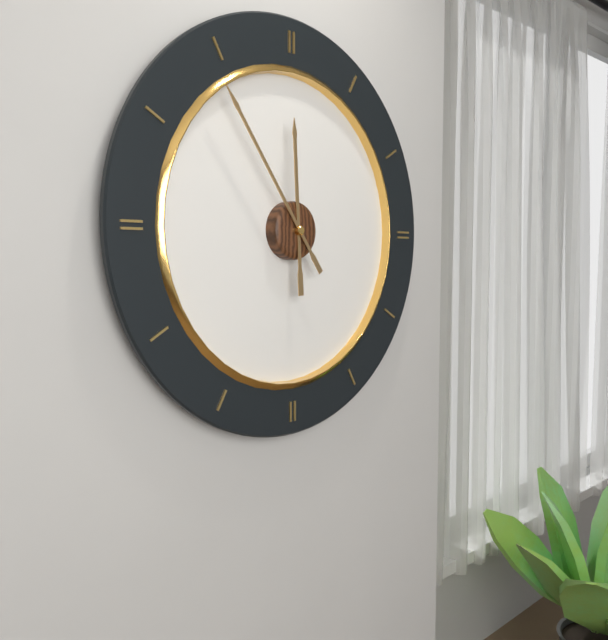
11:54
